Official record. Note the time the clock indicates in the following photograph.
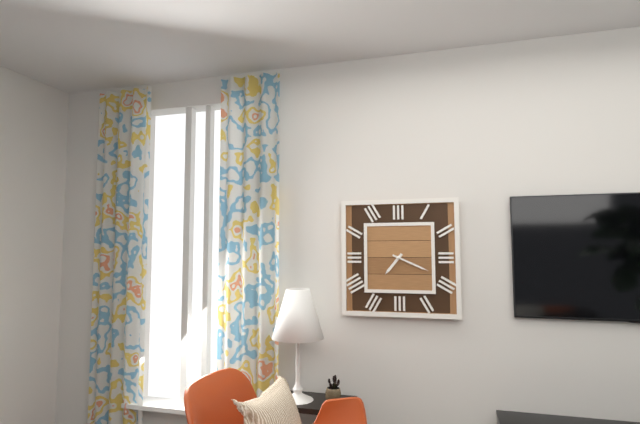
7:19
